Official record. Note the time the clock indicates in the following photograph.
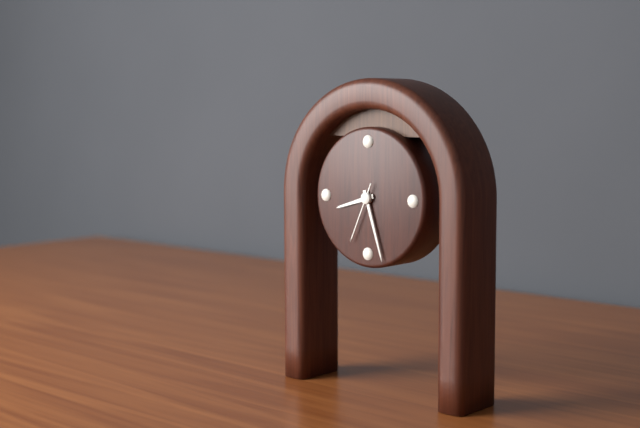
8:27:34
